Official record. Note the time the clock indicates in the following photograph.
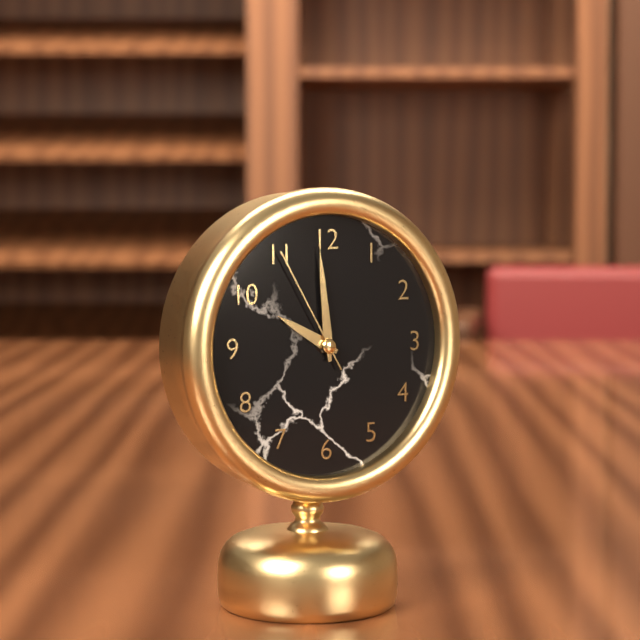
9:59:55
